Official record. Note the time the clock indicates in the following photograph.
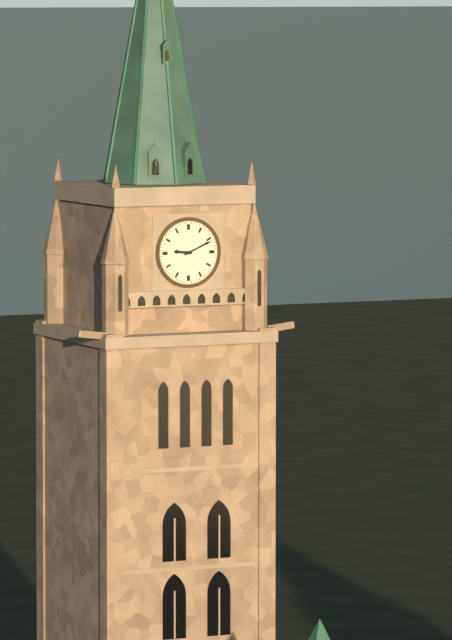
9:11
